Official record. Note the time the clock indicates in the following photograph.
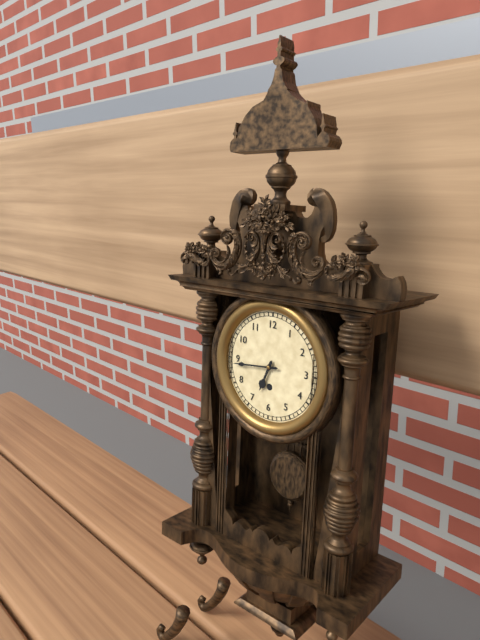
6:44
